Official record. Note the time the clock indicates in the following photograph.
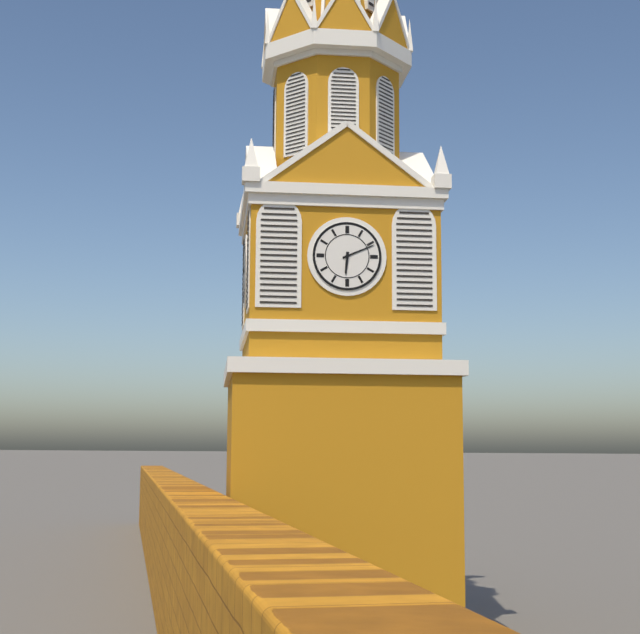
6:11
